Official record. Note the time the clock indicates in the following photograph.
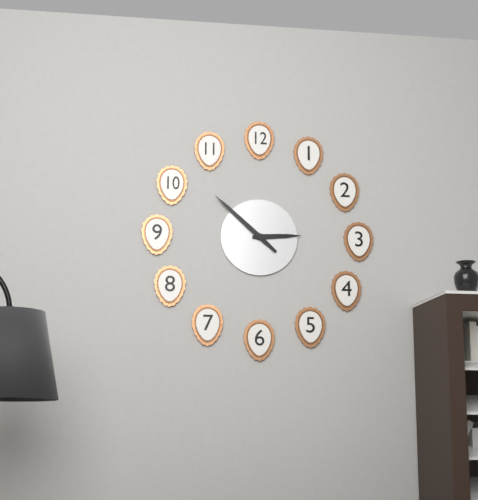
2:52
